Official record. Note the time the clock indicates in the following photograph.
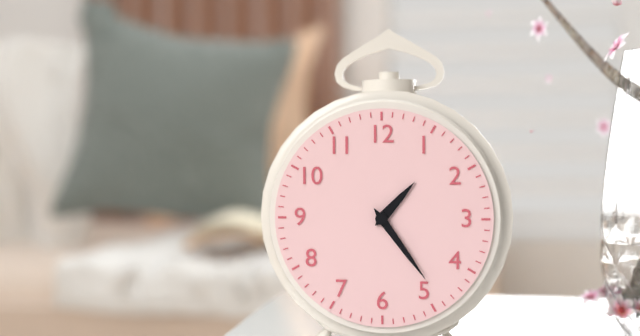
1:24
